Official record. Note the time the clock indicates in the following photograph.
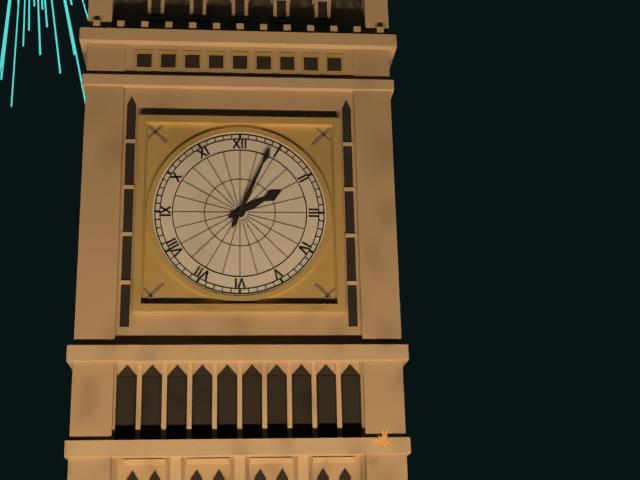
2:04
